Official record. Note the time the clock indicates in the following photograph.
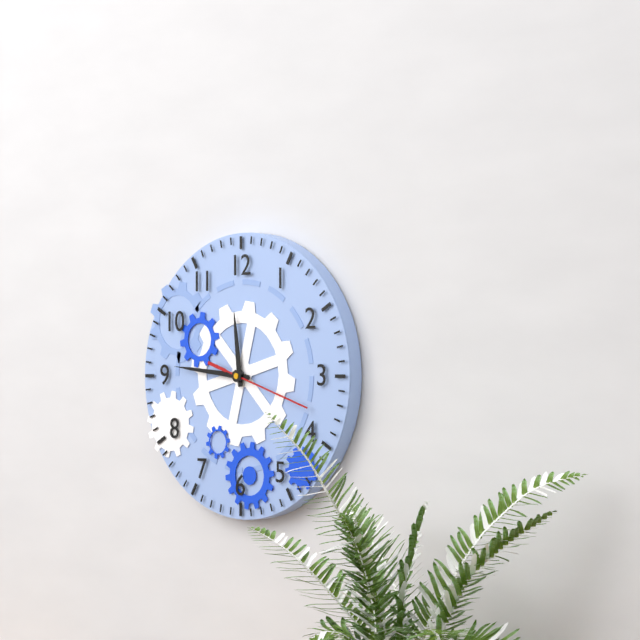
11:46:18
